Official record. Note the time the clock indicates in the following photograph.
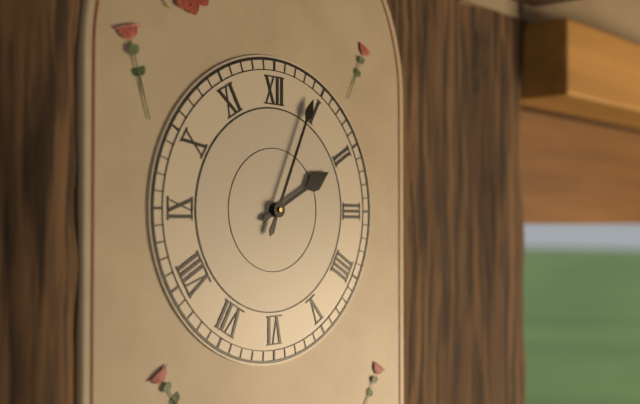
2:04
